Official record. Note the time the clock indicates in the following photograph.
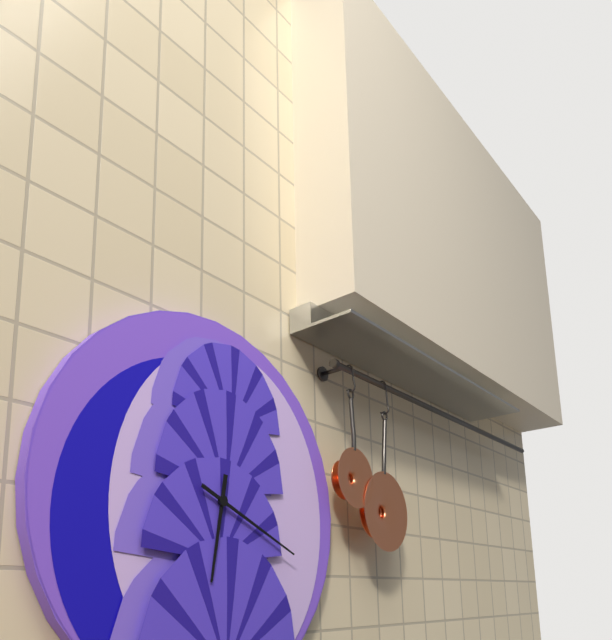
6:19
